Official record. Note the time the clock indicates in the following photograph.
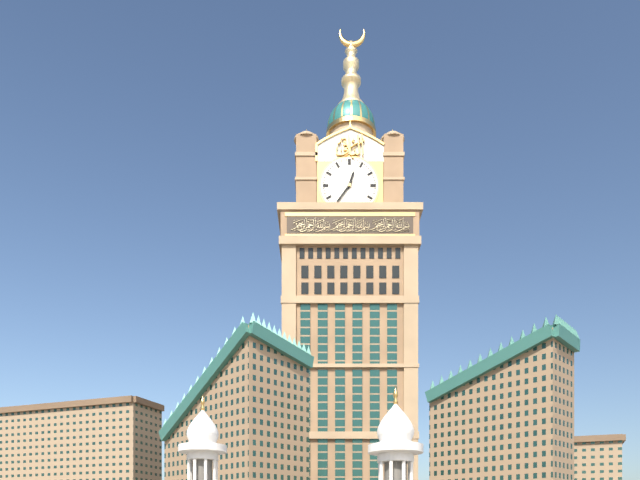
12:36
